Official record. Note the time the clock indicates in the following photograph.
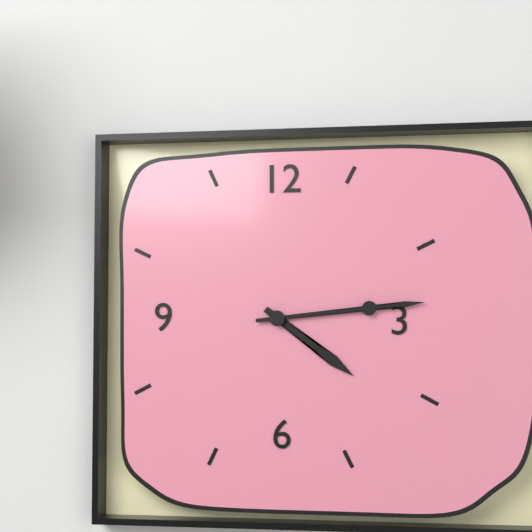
4:14
